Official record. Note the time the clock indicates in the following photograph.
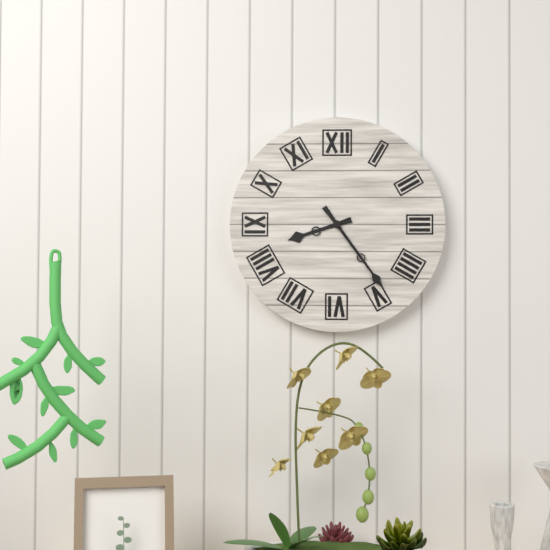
8:24
